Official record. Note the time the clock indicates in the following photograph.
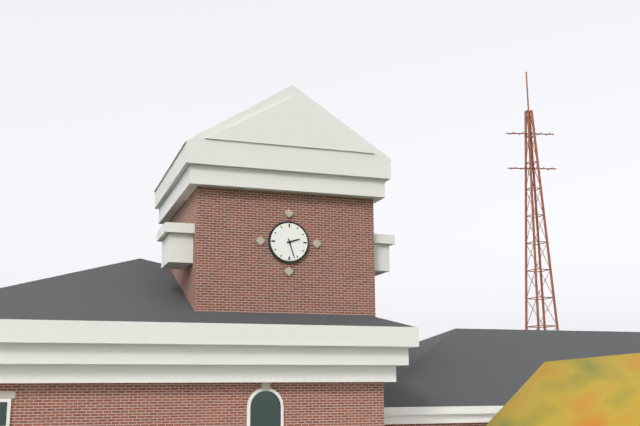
2:27
